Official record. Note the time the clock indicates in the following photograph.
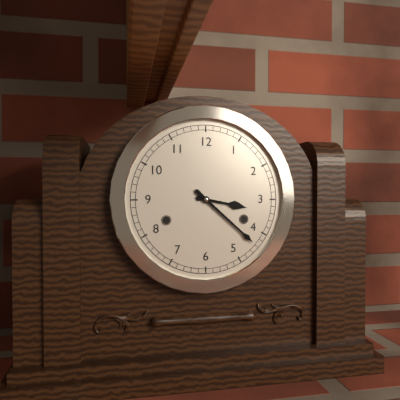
3:22
